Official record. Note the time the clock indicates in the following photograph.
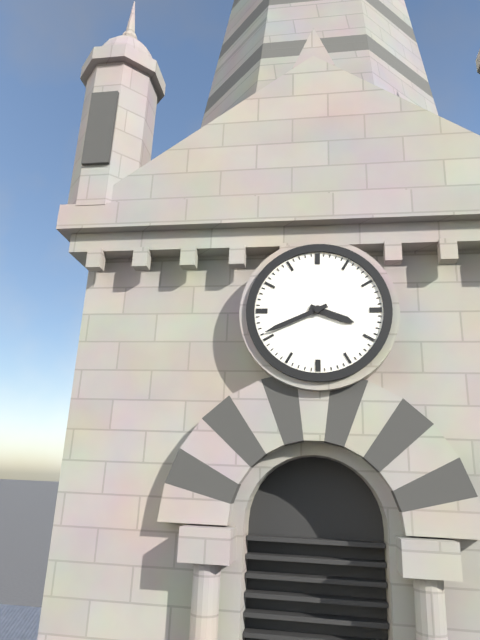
3:41
